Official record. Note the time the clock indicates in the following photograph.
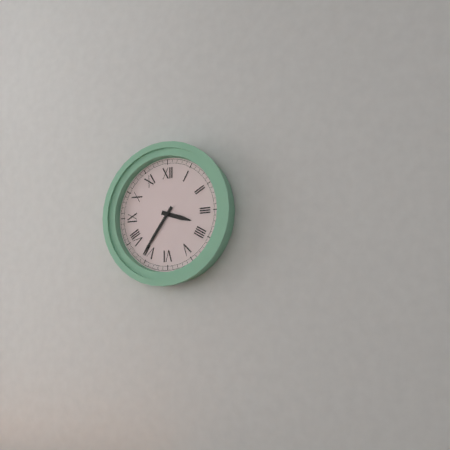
3:36
